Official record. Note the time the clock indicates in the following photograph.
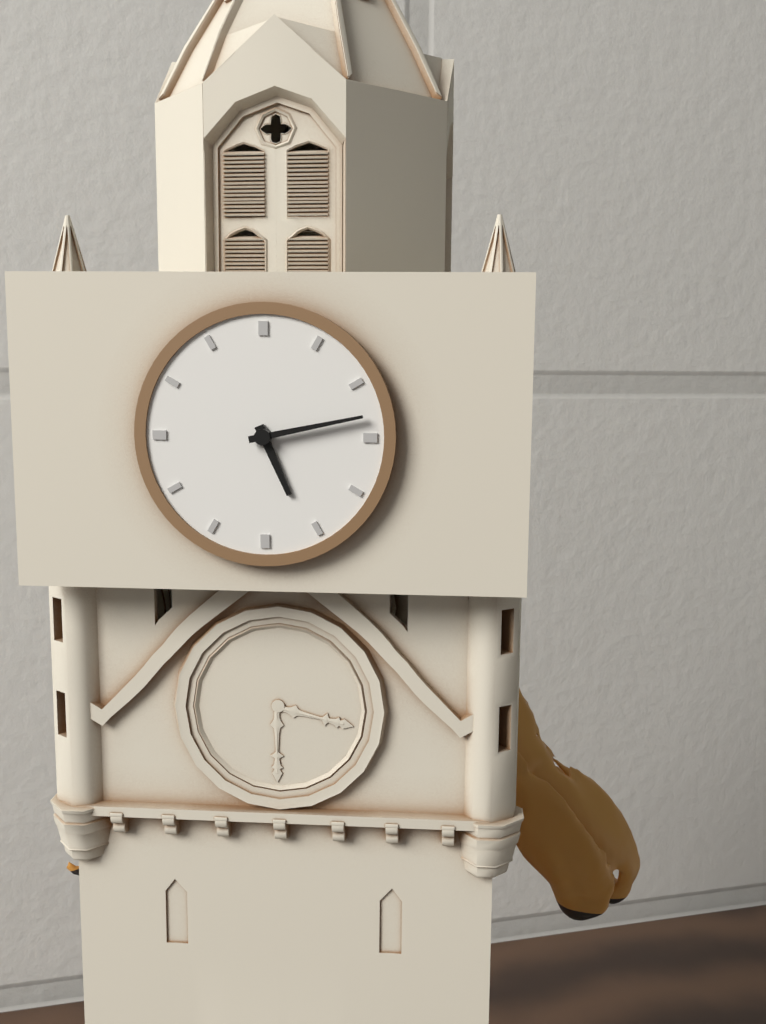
5:13
